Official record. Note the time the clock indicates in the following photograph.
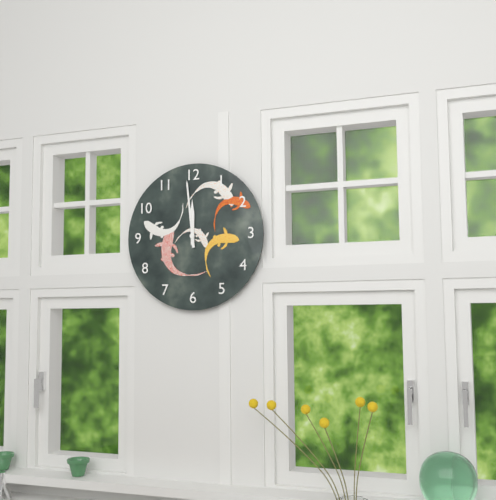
11:59
